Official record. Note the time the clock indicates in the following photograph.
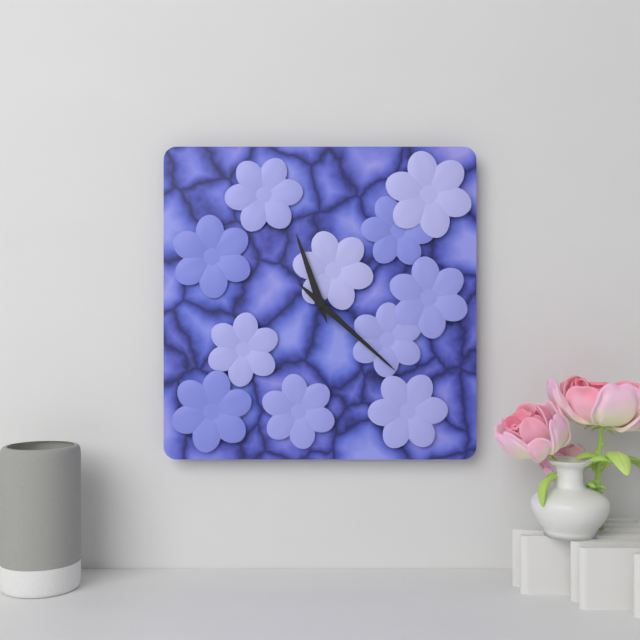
11:22
